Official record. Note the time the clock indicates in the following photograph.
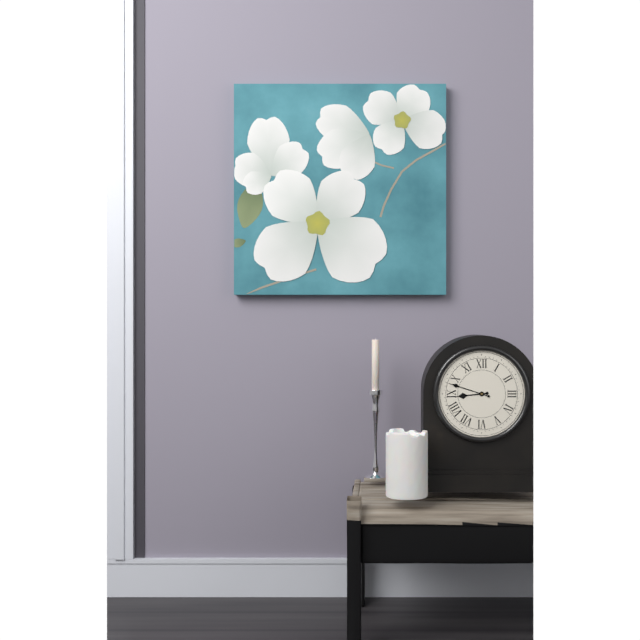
8:48
